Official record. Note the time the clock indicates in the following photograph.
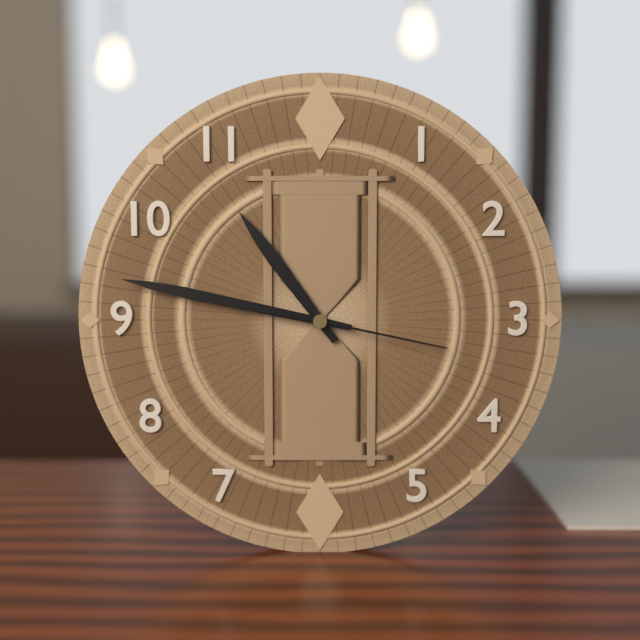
10:47:17
